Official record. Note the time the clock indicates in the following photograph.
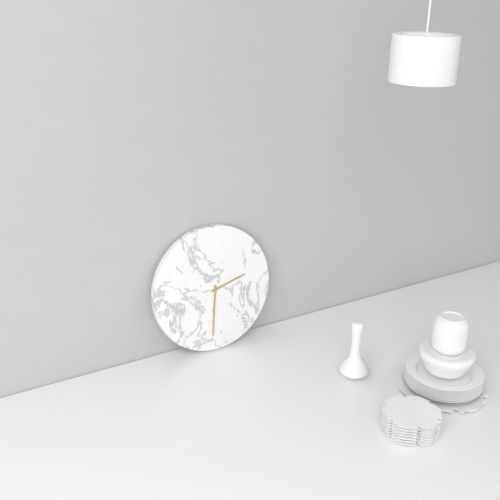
2:31
